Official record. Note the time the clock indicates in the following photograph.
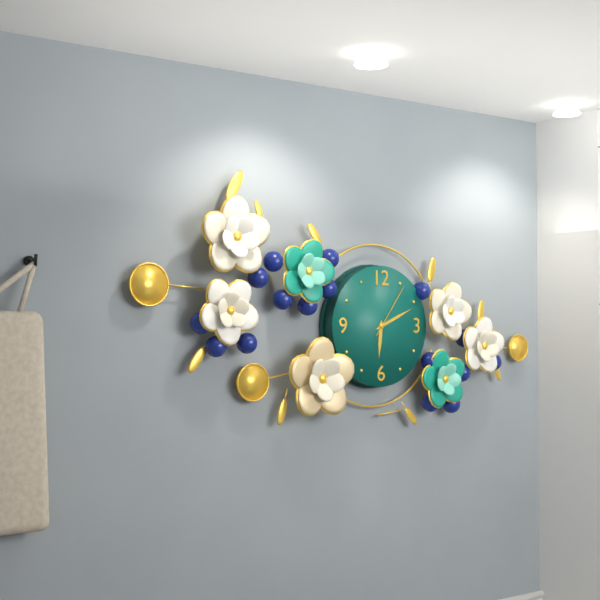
6:11:06
